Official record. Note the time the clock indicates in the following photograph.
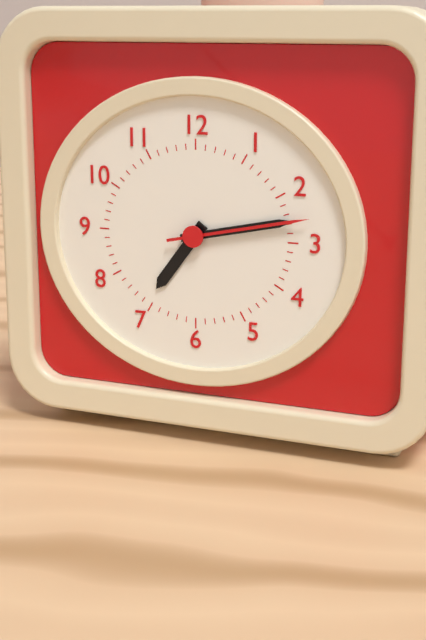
7:13:13
